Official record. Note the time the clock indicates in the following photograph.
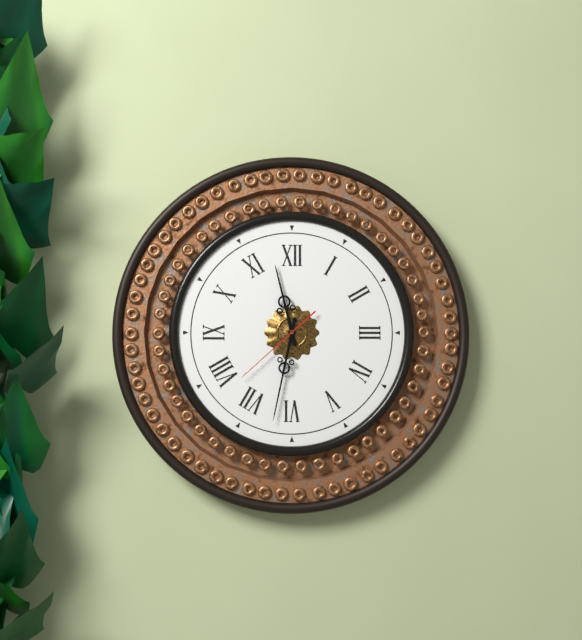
11:32:38
